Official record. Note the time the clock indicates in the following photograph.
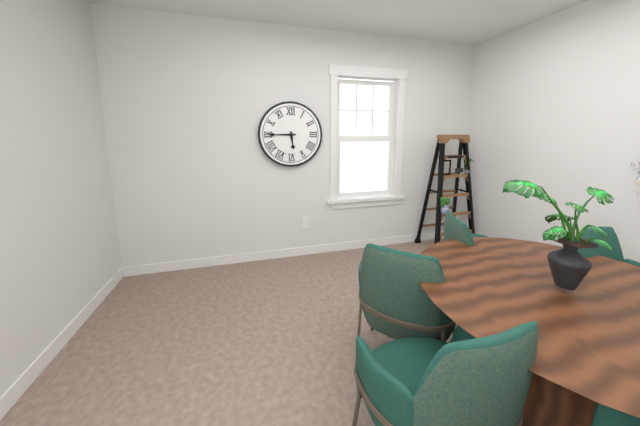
5:45
